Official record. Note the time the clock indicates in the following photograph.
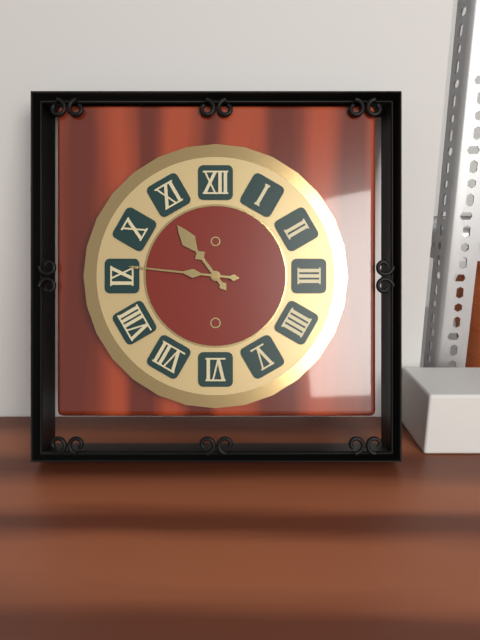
10:46
